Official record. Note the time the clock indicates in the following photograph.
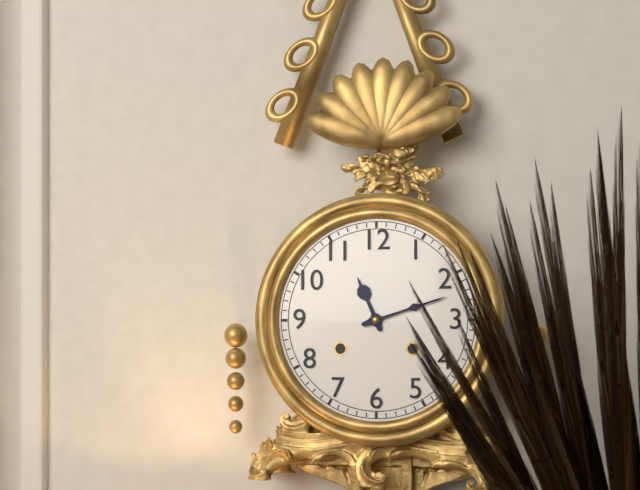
11:12
